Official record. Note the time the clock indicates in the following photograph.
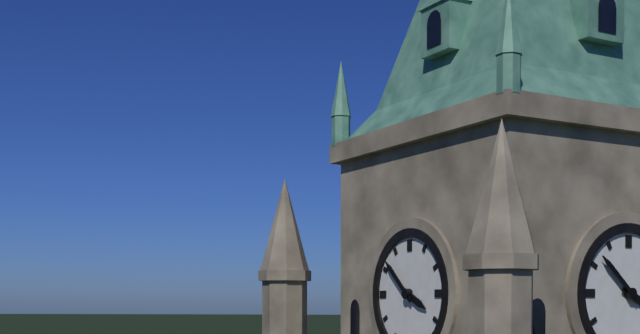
3:52
